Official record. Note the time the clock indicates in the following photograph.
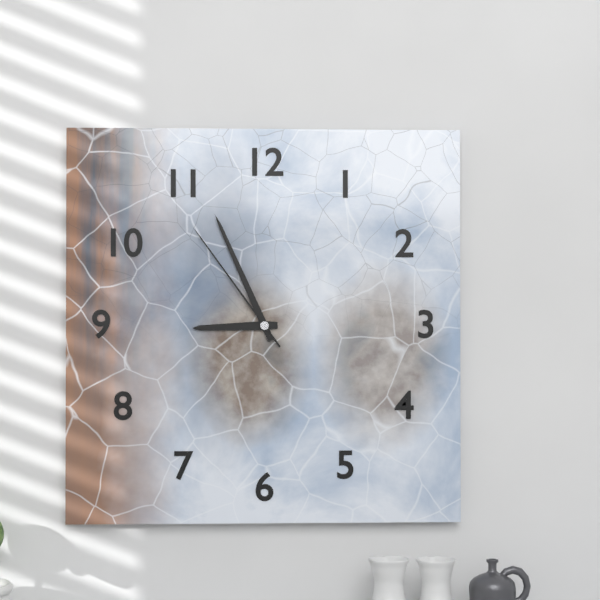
8:56:54
